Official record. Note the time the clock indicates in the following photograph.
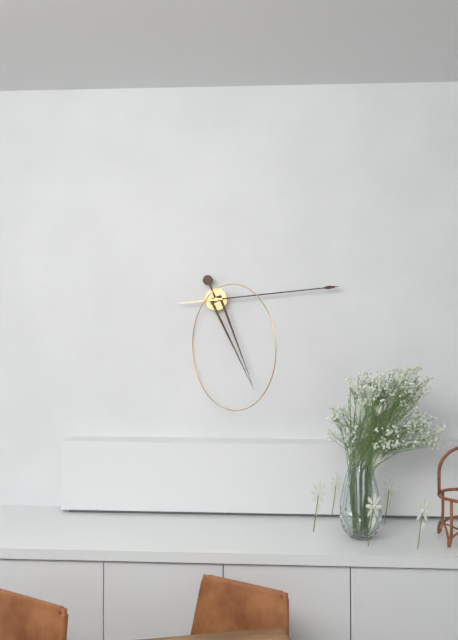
5:14
